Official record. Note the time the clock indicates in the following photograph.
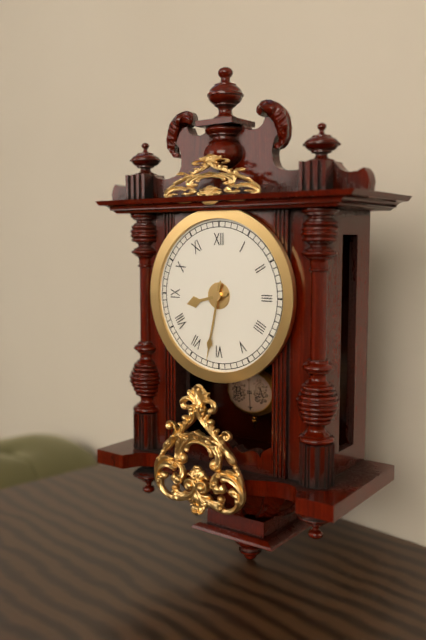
8:32
